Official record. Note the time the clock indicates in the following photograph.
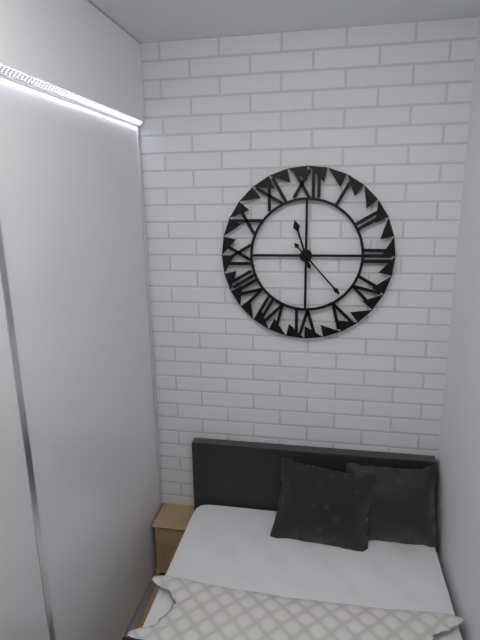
11:23
